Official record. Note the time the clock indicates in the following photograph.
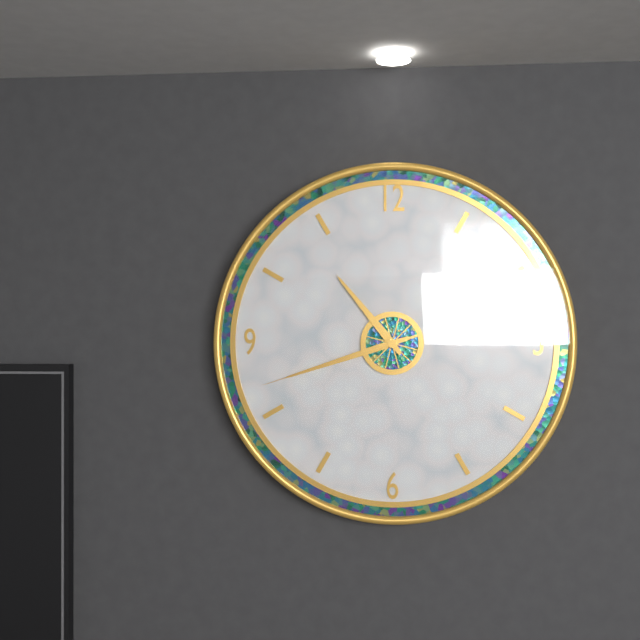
10:42:42
